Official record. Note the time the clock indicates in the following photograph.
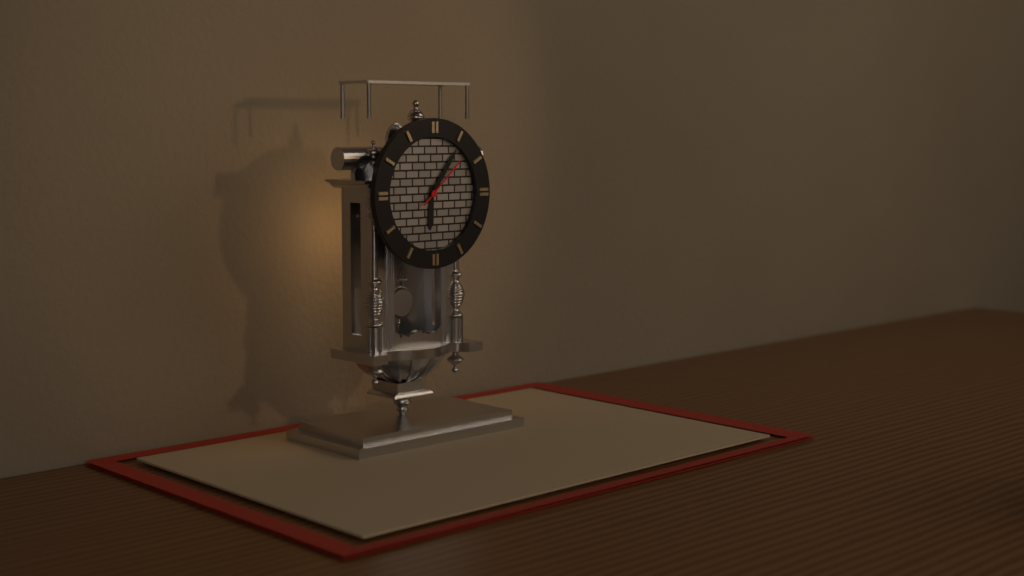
6:06:08
